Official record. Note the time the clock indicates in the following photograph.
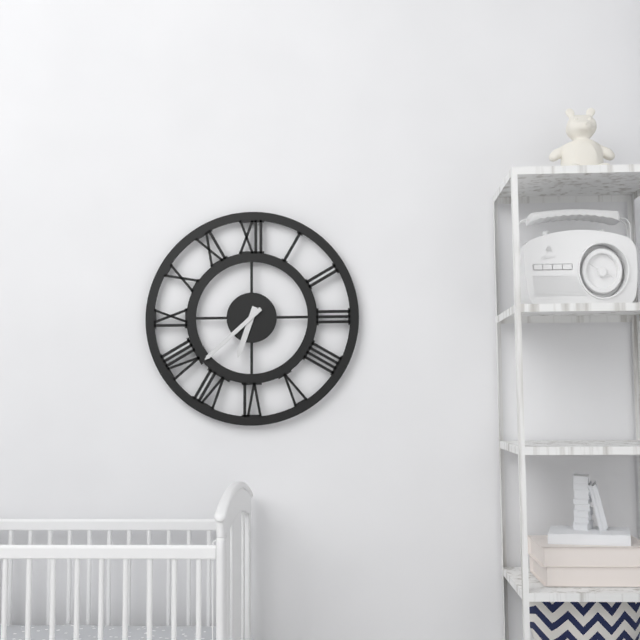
6:38
